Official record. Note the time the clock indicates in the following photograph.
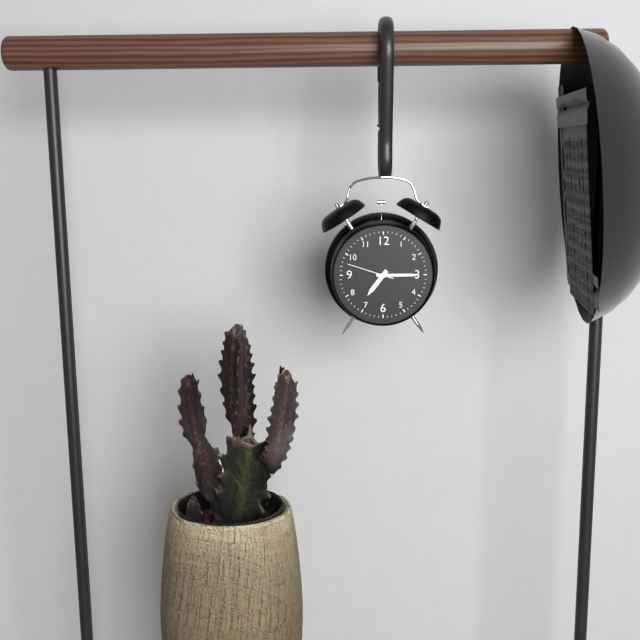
7:15
